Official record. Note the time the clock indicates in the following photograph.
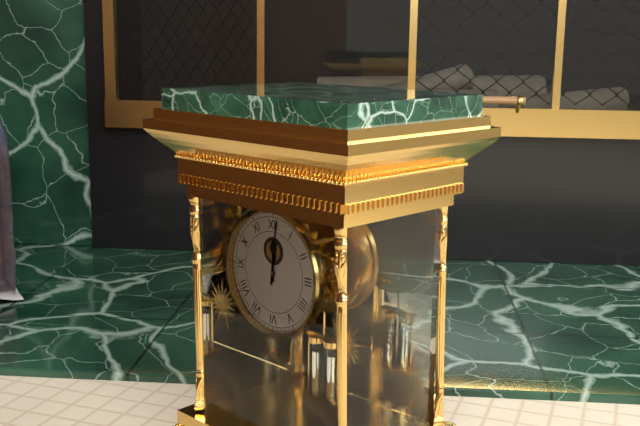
12:01
